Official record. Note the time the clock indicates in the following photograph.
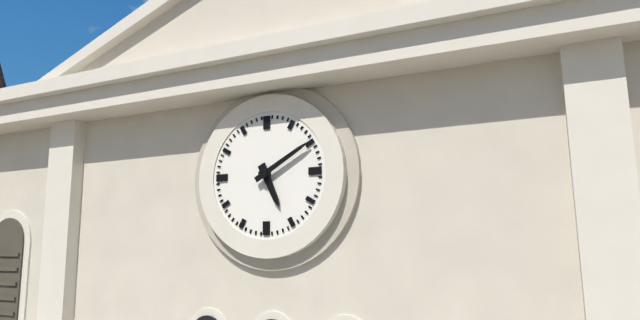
5:10
